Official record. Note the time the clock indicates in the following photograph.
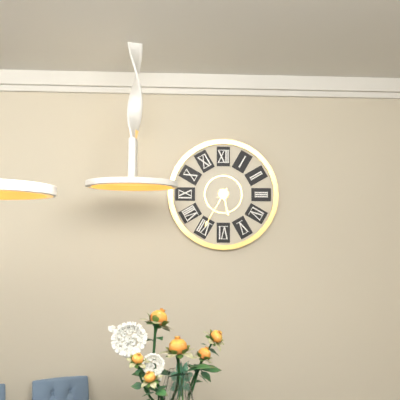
5:35
